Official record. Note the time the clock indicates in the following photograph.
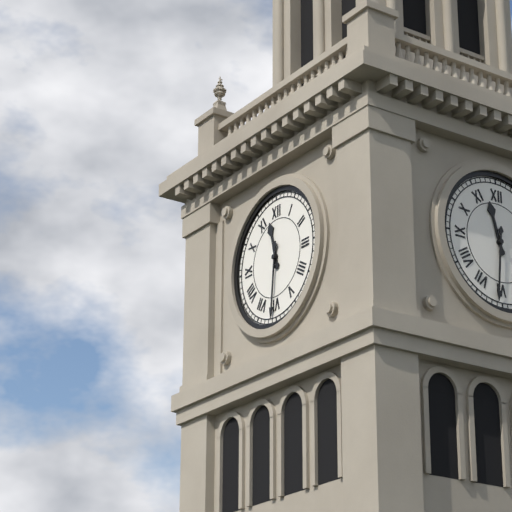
11:31
